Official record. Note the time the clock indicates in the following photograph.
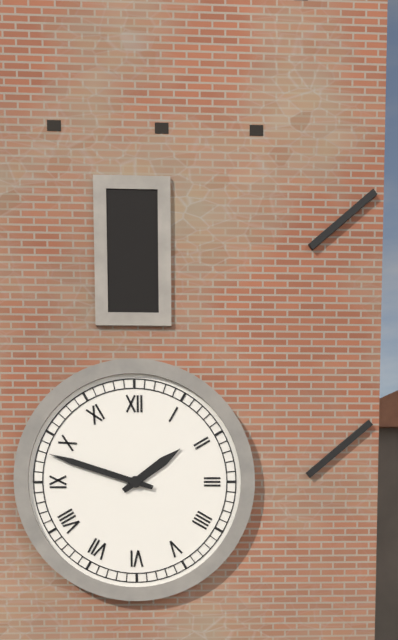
1:48
